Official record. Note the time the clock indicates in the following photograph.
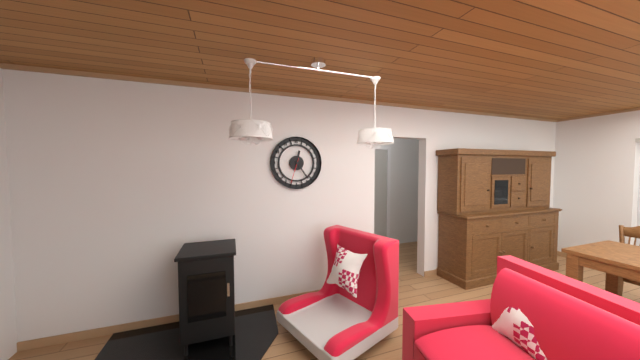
12:24
